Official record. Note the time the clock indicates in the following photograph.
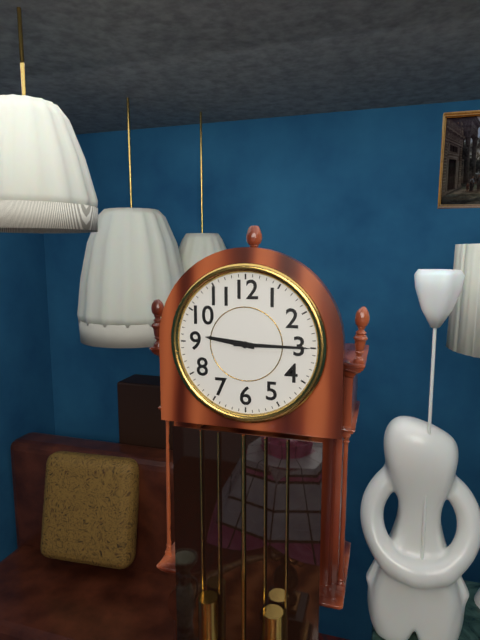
9:15
